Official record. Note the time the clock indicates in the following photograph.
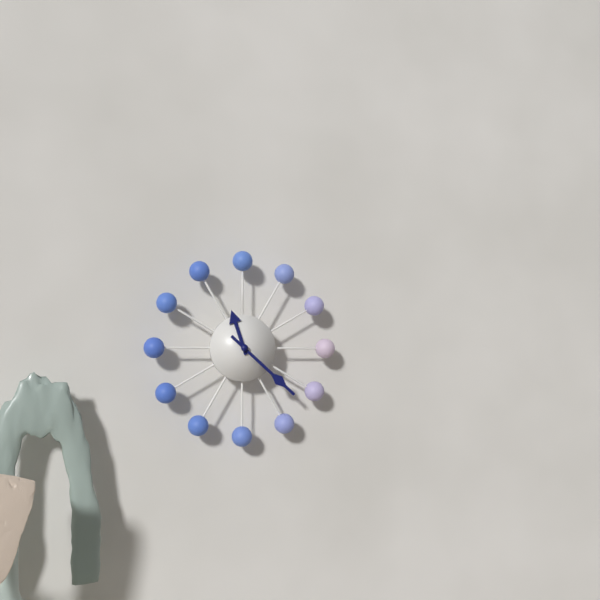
11:22
